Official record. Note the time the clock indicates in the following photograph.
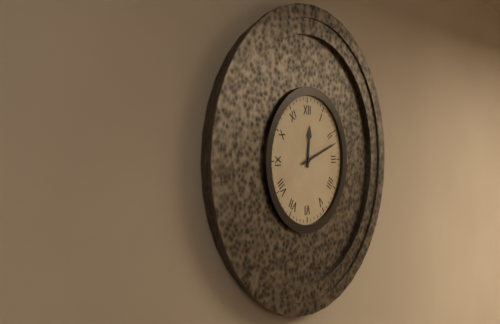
12:12
